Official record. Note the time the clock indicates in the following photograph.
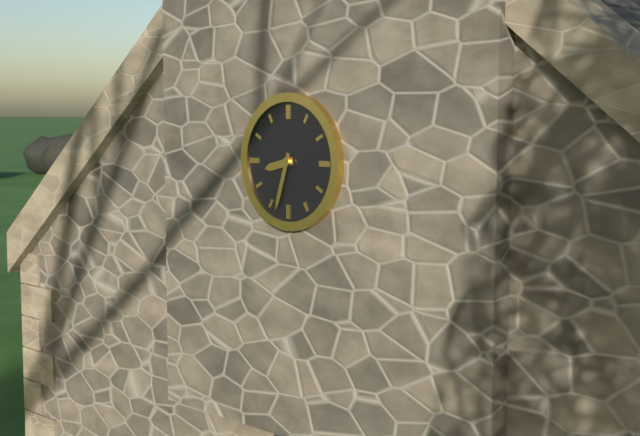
8:33
